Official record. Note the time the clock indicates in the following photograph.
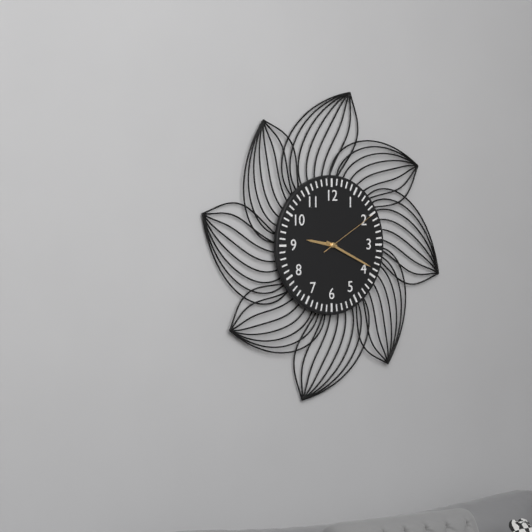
9:19:10
